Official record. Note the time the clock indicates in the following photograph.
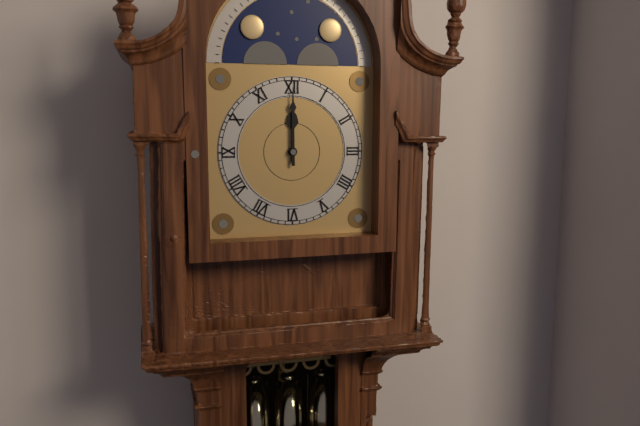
12:00
